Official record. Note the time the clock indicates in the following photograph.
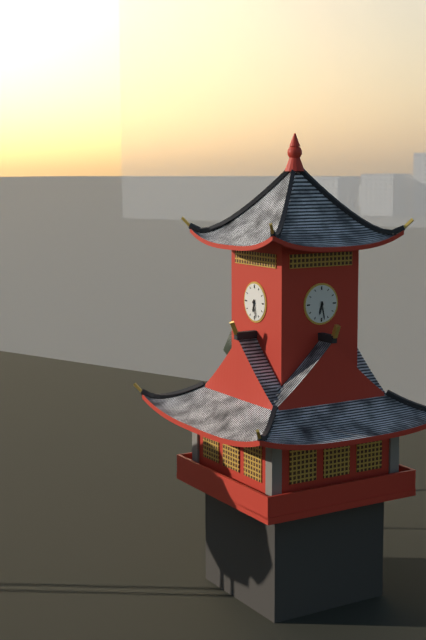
6:28
